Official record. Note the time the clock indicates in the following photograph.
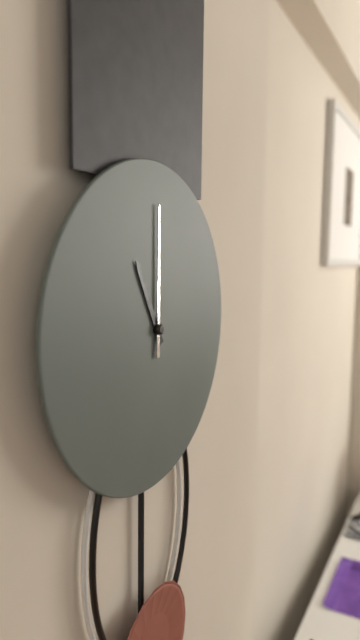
11:00
